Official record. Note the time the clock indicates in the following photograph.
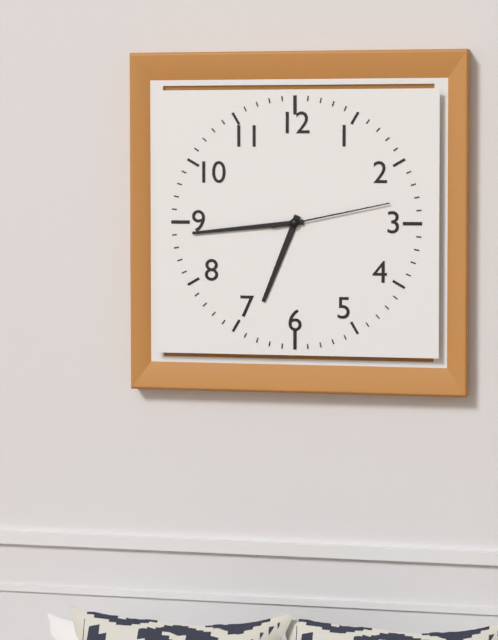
6:44:13
